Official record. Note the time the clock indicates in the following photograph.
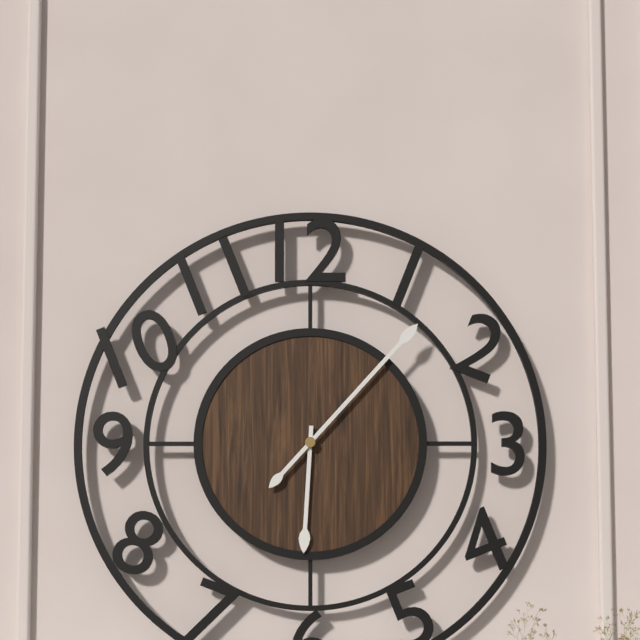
6:07
